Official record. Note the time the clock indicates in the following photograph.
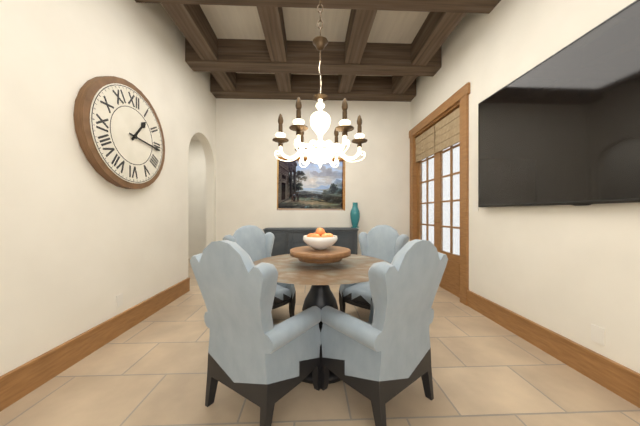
1:16
